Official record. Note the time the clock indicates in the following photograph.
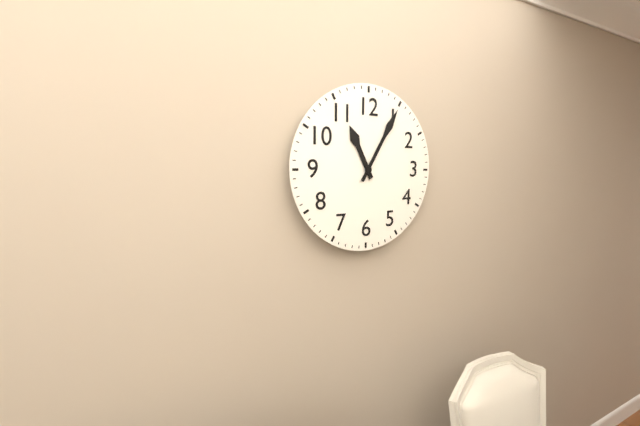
11:05
